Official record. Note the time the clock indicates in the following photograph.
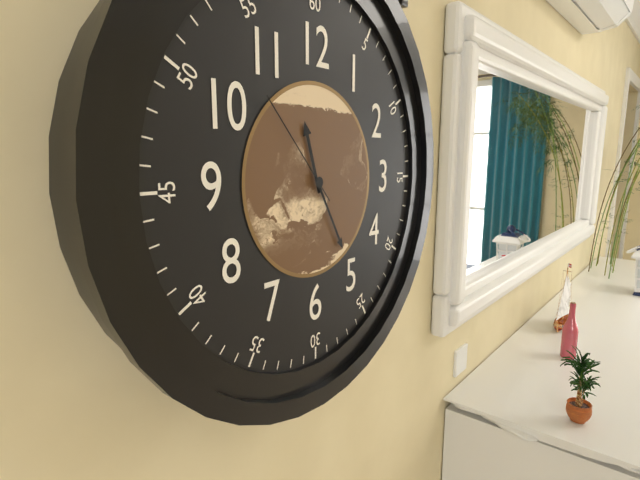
11:25:53
